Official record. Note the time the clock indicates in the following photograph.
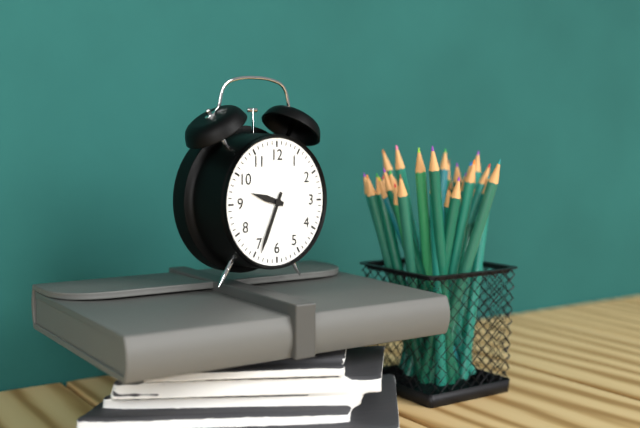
9:34
